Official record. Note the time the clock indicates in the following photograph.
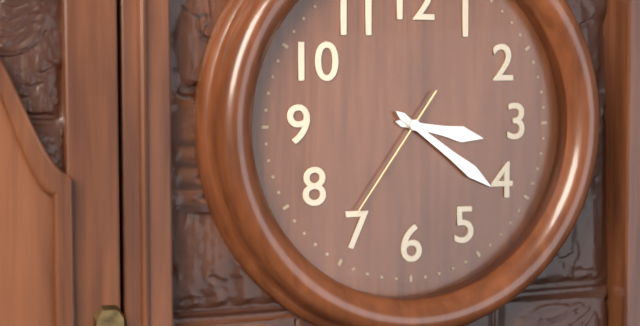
3:21:36
